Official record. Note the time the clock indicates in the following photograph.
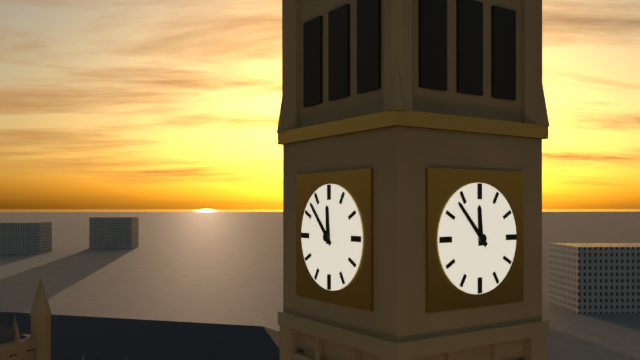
11:53
